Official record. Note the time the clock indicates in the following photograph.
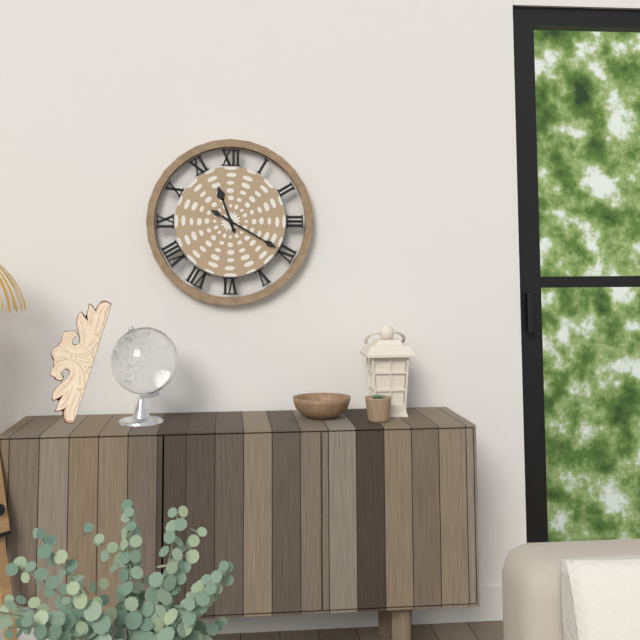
11:20
